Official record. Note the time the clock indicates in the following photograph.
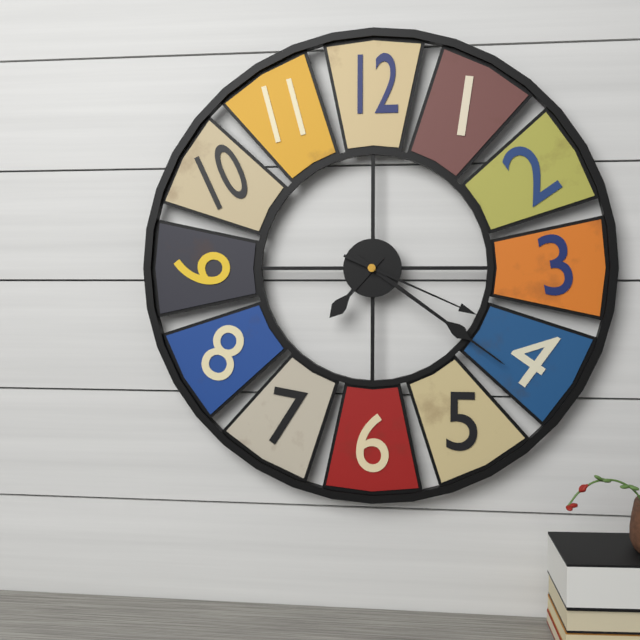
7:21:19
